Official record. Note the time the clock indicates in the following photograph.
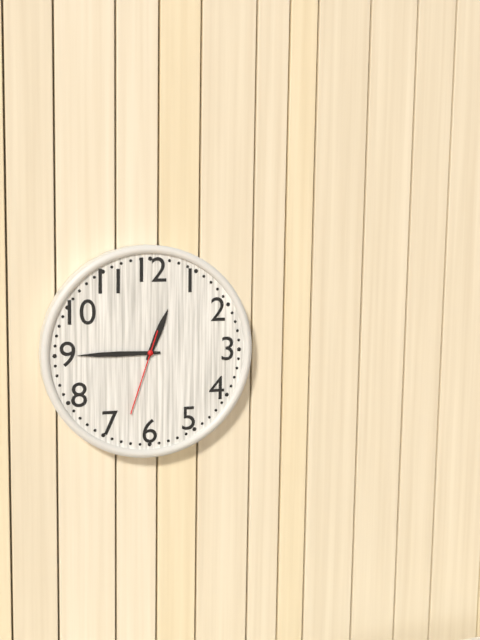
12:45:33
